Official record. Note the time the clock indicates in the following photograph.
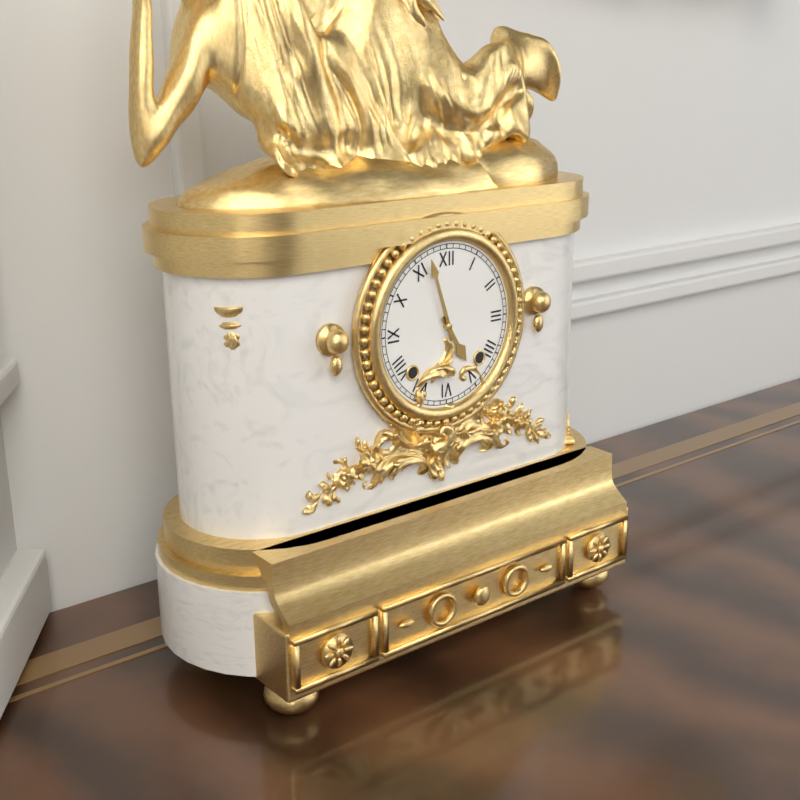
4:57
